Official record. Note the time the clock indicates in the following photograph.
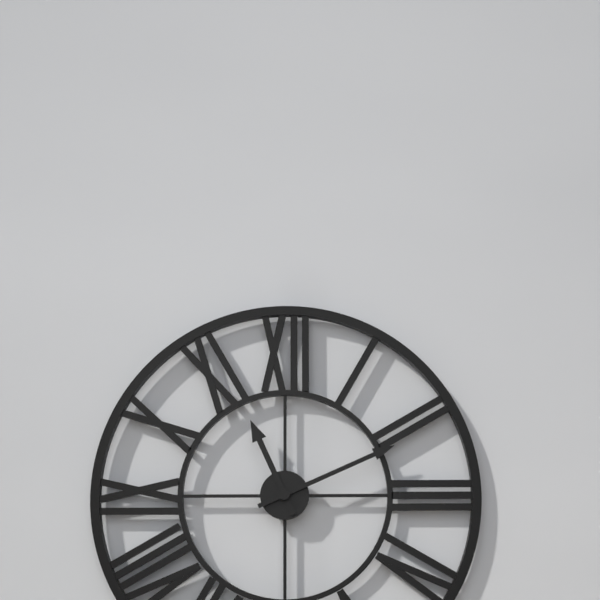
11:11
